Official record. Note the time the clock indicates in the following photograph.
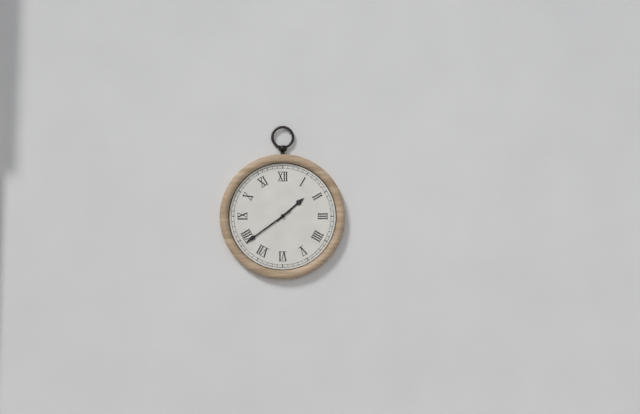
1:39
